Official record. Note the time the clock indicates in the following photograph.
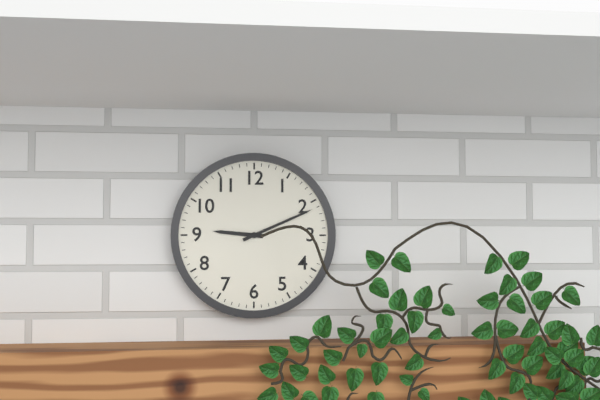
9:11
